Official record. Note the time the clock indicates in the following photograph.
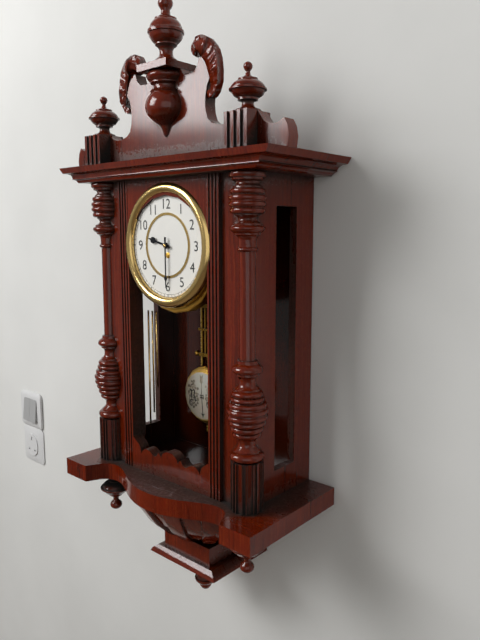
9:30
